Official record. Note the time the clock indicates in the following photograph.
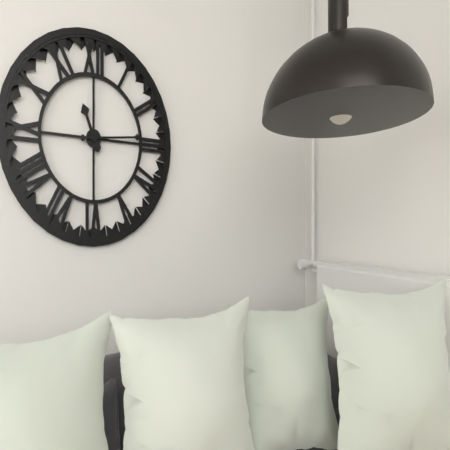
11:14
